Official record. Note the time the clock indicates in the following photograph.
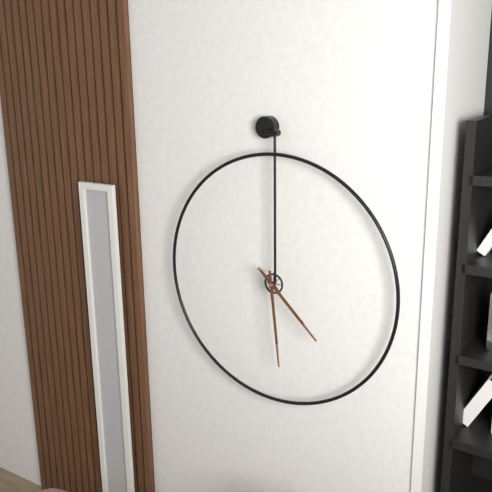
4:29
